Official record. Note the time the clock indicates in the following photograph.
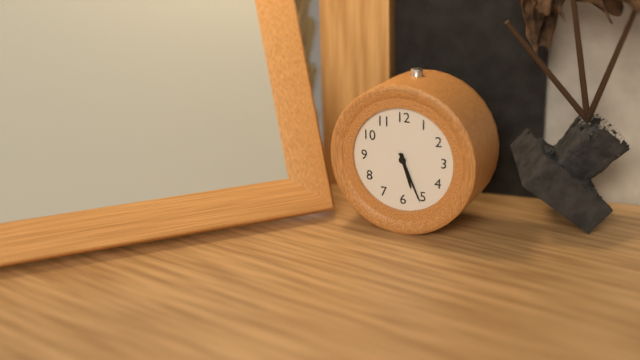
5:26
